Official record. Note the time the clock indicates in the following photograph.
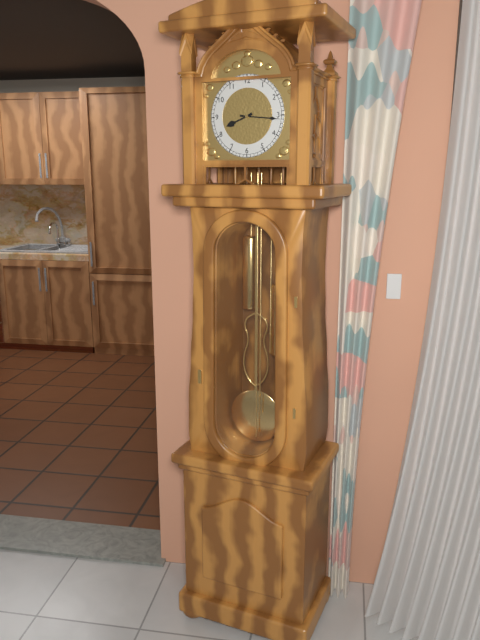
8:16
